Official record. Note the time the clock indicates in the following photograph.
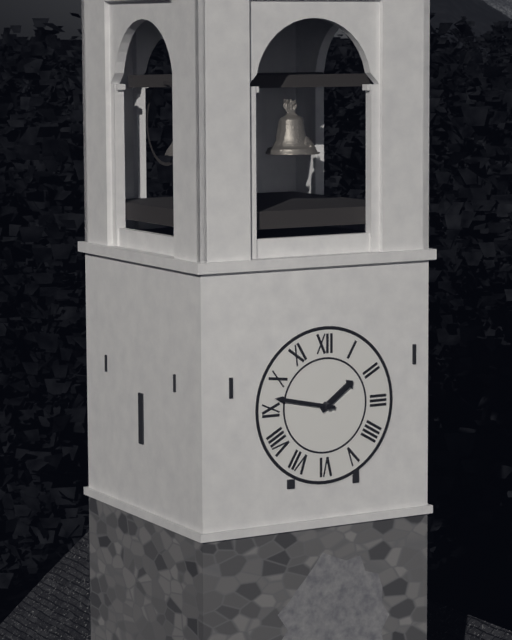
1:47
